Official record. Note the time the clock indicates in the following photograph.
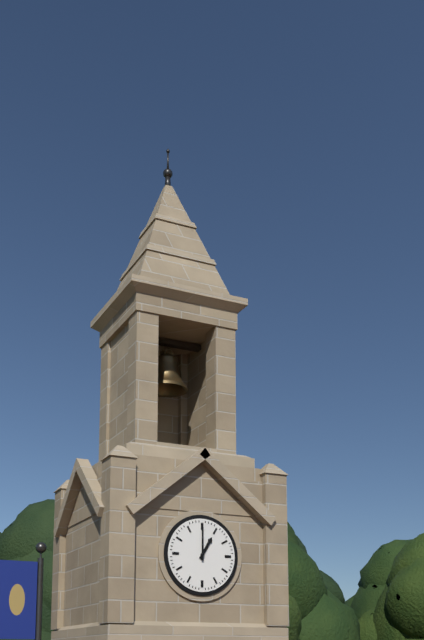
1:00
